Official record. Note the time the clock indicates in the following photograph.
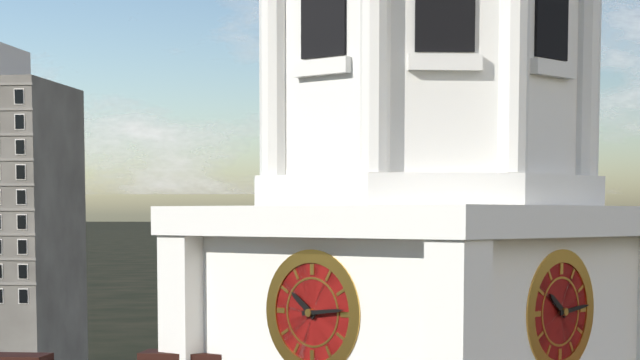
10:14
